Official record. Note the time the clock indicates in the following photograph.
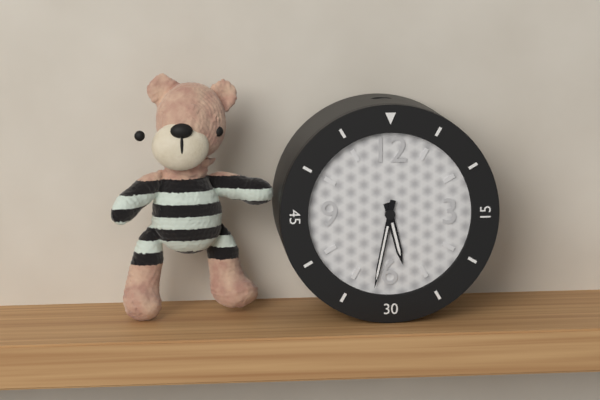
5:32
